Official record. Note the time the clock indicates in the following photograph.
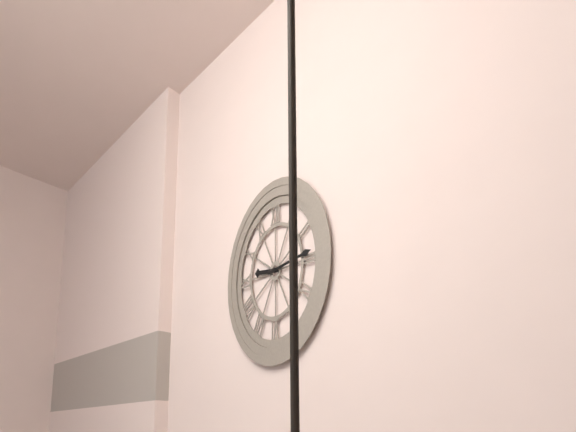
9:14
